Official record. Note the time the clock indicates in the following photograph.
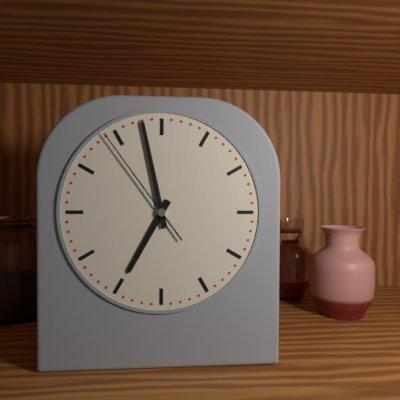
6:58:54
